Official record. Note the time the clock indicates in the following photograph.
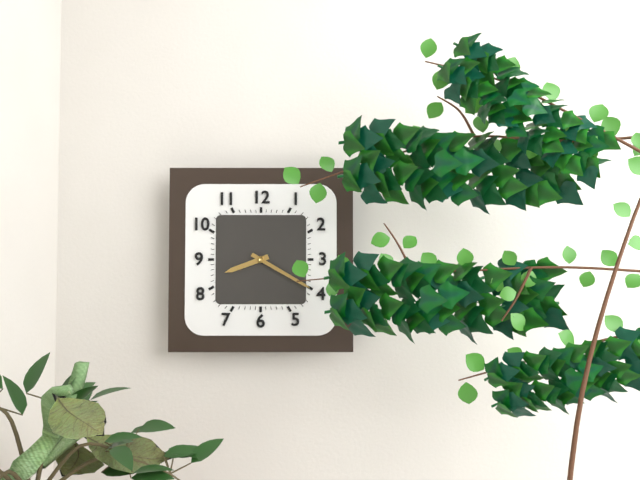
8:20
